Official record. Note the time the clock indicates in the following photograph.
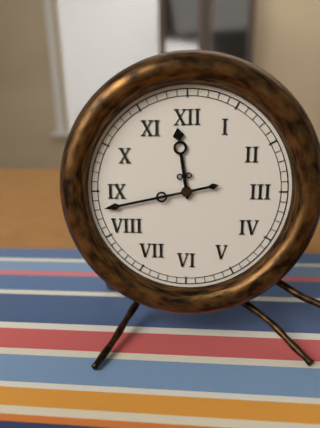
11:43
